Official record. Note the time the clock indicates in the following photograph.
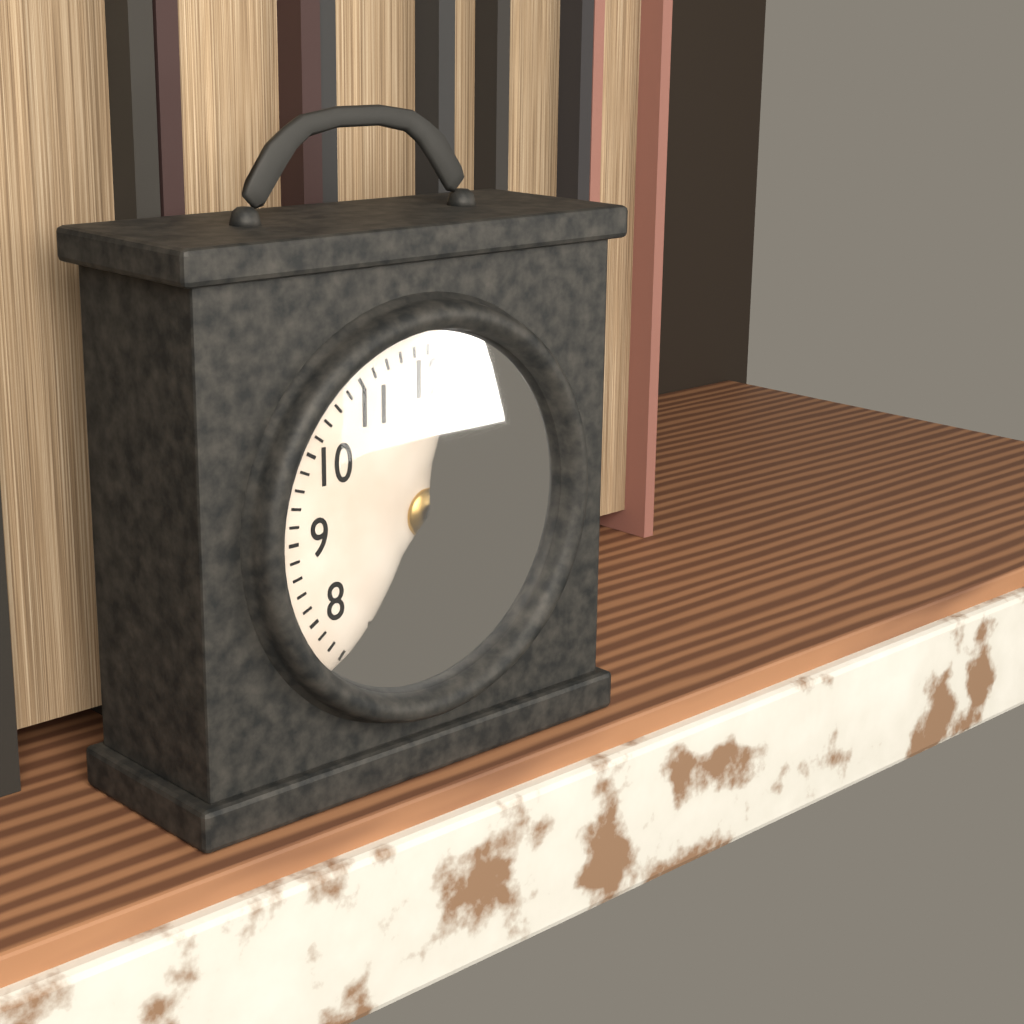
1:04
